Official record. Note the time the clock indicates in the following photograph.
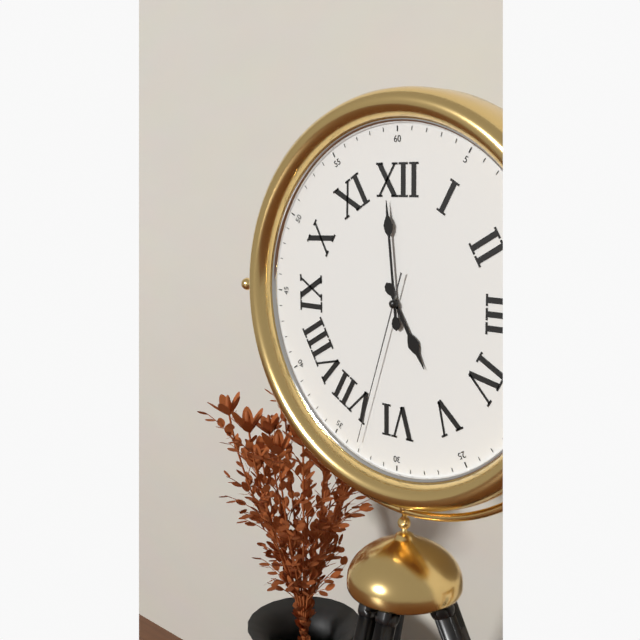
4:59:33
